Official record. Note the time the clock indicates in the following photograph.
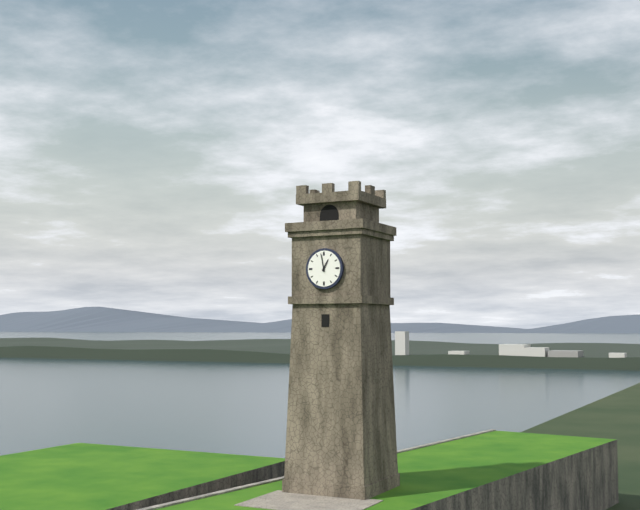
12:58
